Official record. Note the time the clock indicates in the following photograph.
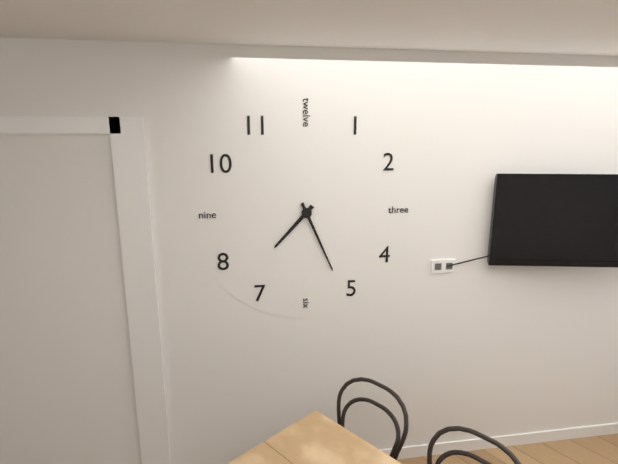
7:26
